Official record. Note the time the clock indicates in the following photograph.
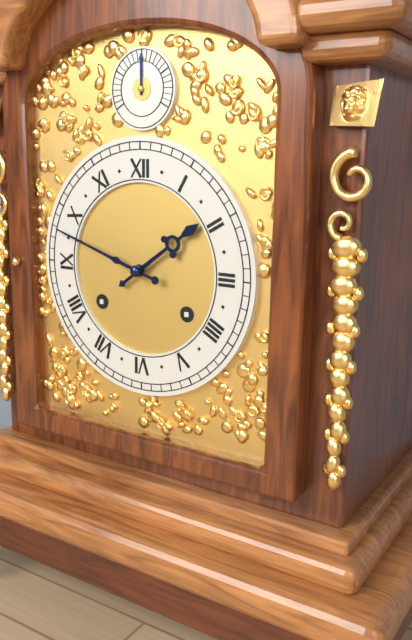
1:48
